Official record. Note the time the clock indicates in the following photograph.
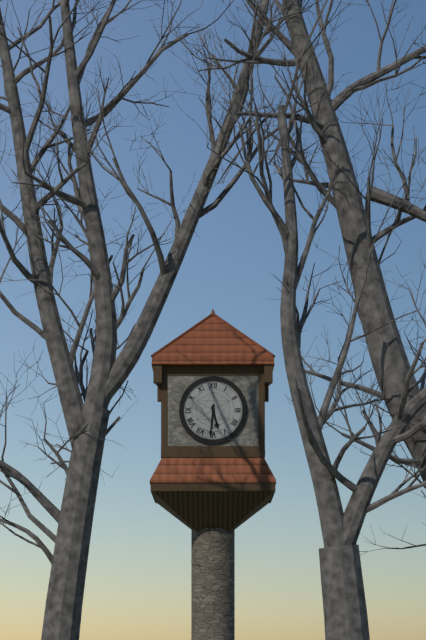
5:31
